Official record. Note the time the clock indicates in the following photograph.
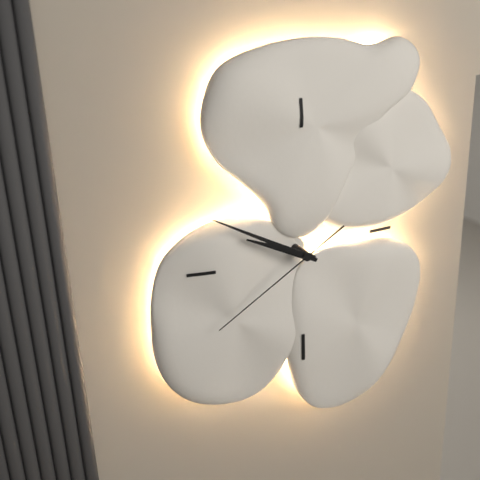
9:50:40
